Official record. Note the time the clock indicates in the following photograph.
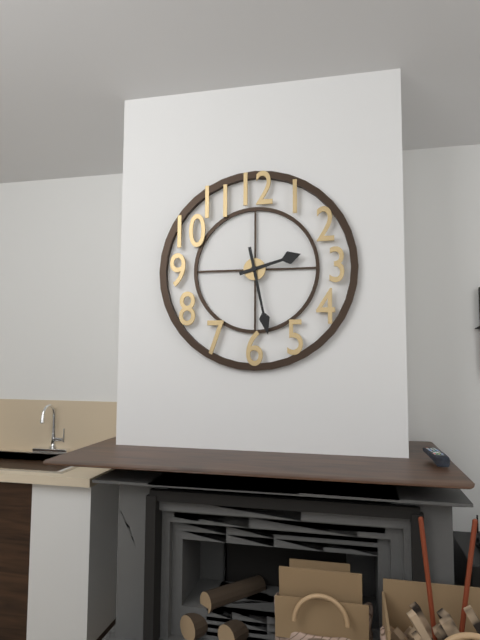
2:28
